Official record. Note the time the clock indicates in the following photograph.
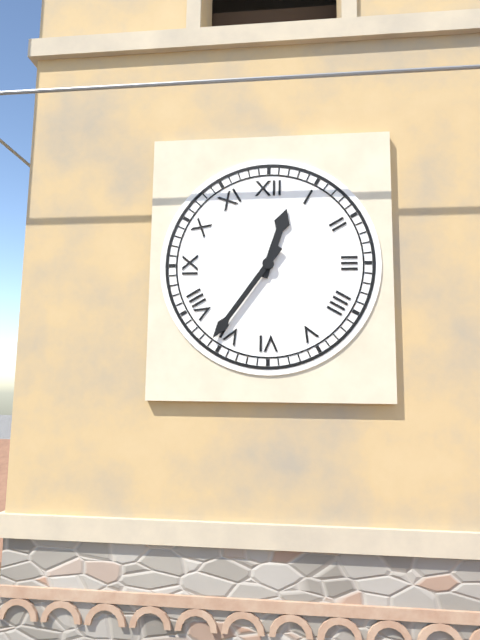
12:36
